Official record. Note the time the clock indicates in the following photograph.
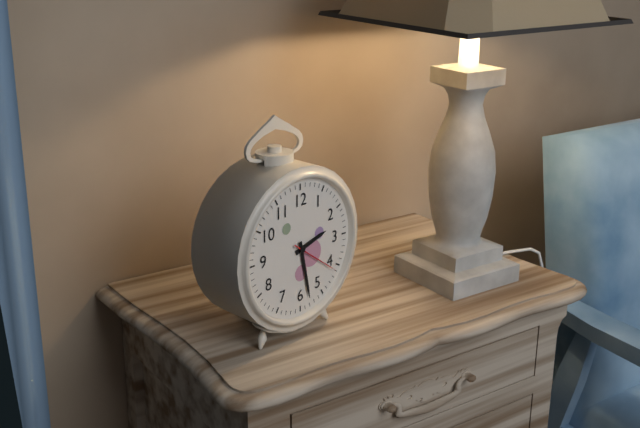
2:28
